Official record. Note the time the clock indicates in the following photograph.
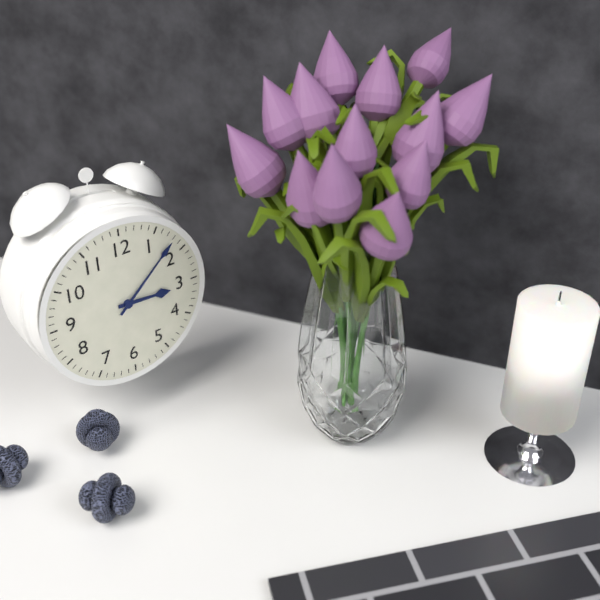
3:08
